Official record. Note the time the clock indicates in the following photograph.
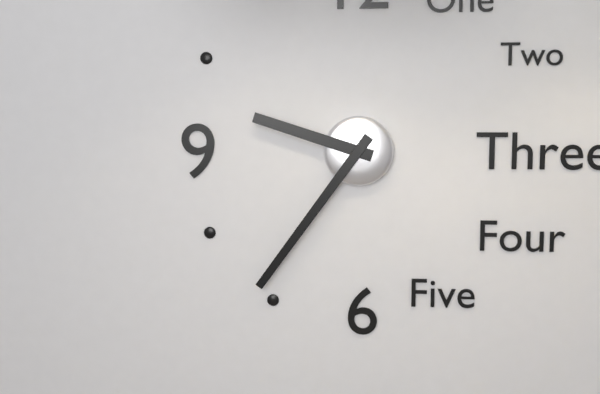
9:36
